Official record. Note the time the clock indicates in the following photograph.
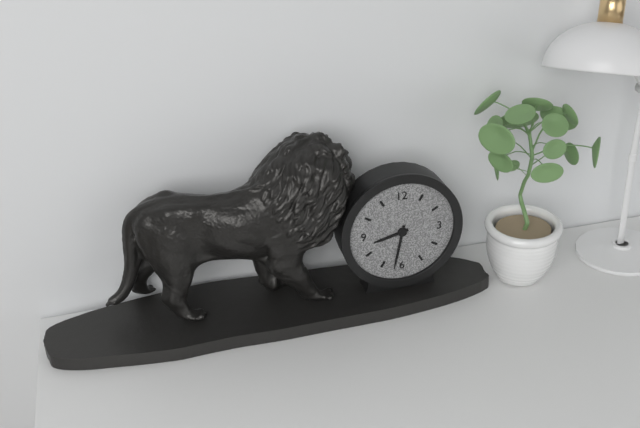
8:32
